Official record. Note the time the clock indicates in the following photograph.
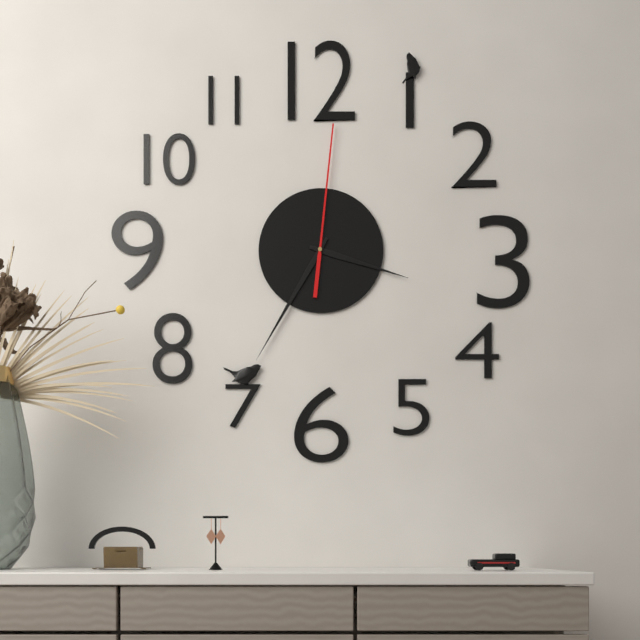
3:35:01
